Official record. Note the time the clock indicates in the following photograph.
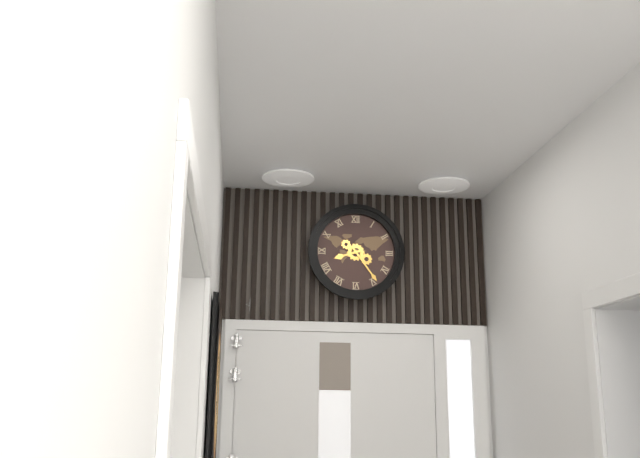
8:24
